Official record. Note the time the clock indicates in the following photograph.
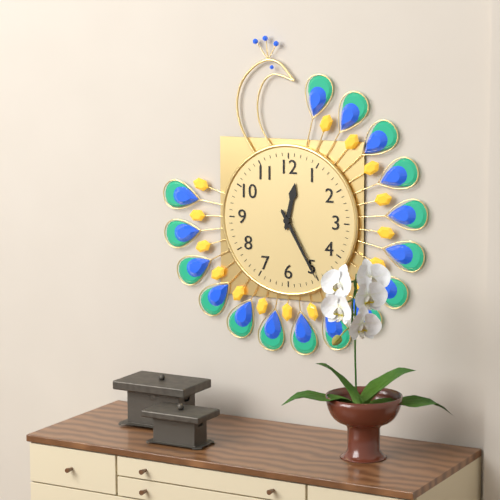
12:25
